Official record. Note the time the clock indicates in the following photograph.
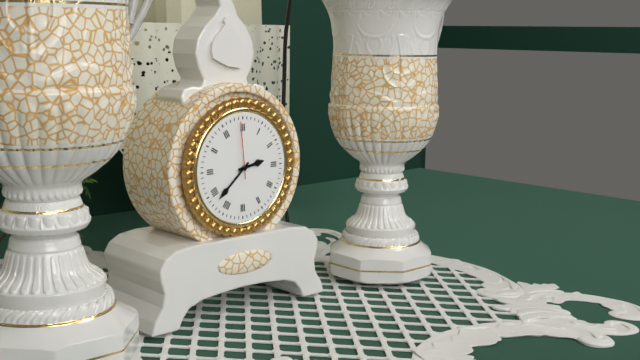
2:38:59
